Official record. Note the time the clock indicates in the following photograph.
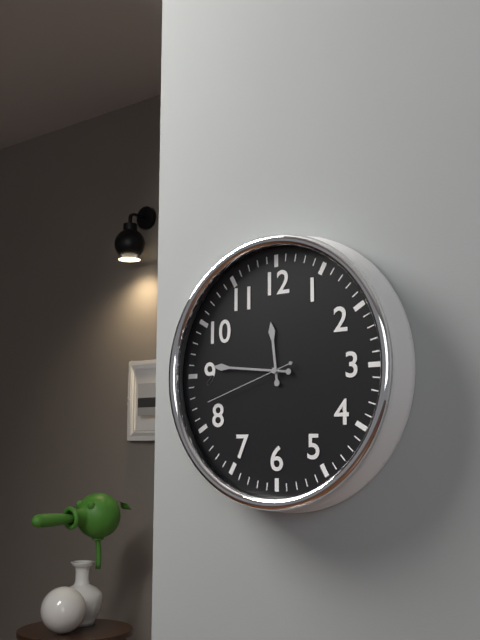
11:46:42
